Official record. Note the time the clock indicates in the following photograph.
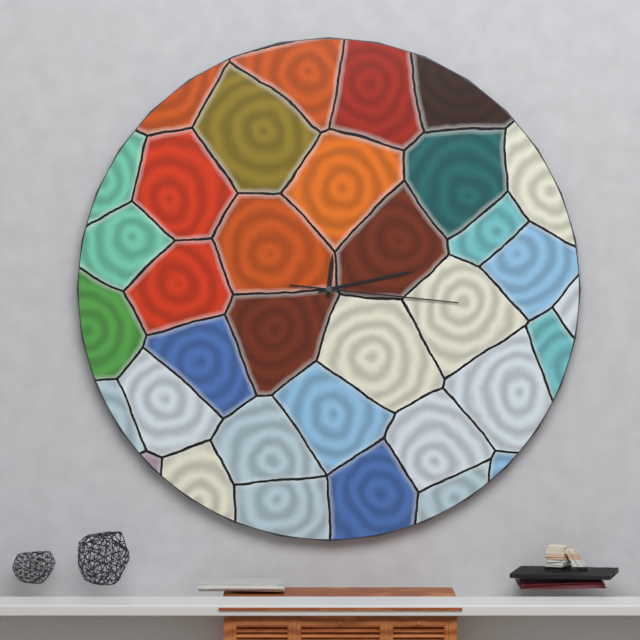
12:13:16
